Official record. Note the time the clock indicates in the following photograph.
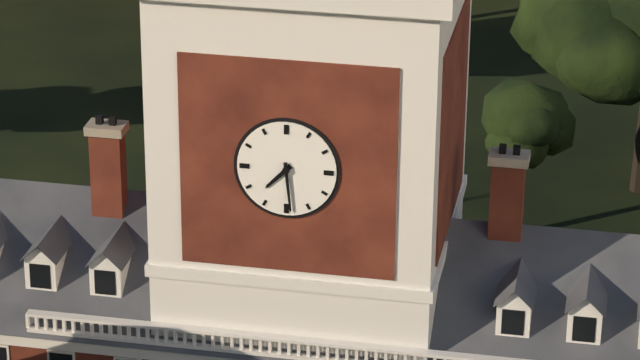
7:29
